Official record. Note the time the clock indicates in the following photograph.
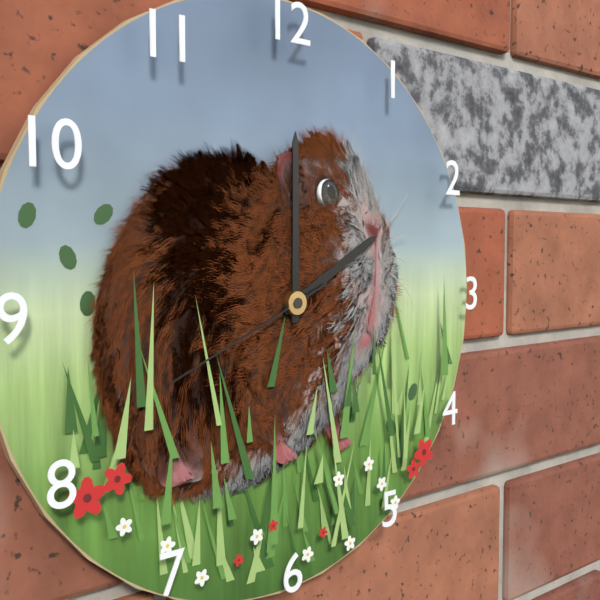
2:00:41
